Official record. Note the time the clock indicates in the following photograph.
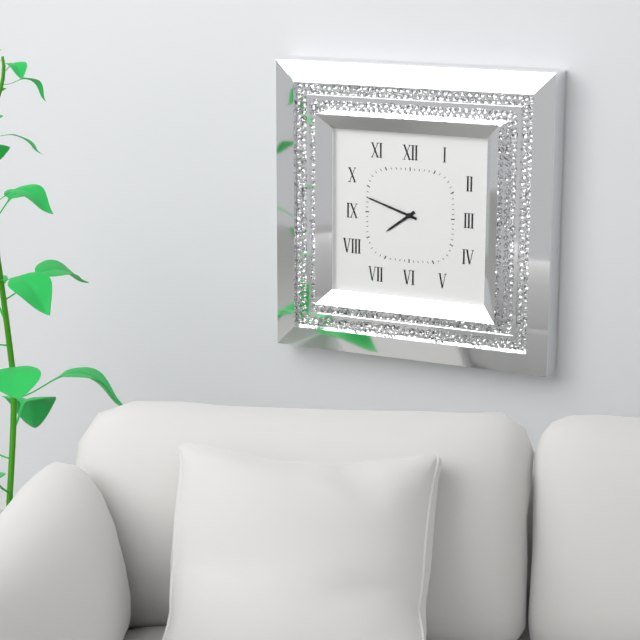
7:48
